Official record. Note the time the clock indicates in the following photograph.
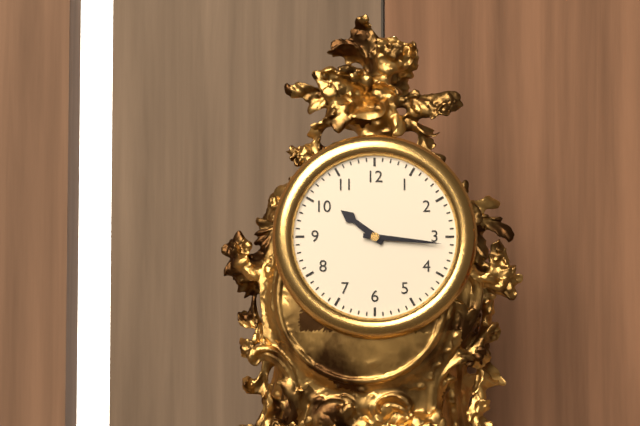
10:16
